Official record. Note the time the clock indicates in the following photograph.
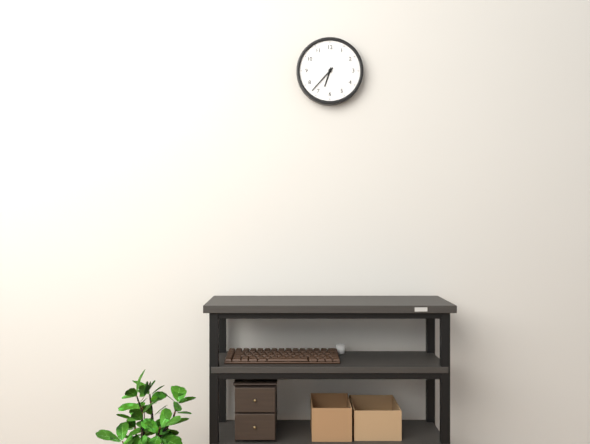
6:37
